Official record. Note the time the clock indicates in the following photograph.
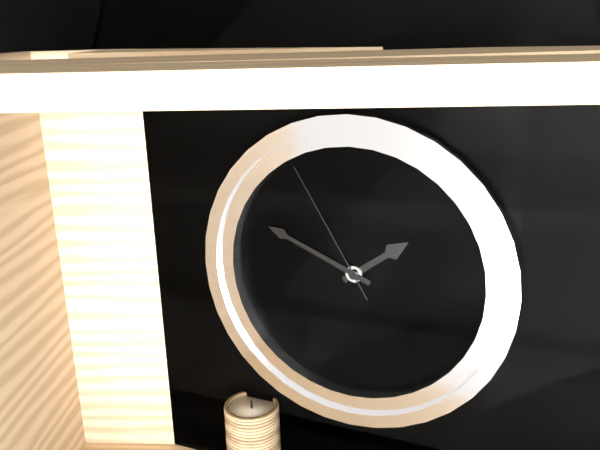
1:49:55
